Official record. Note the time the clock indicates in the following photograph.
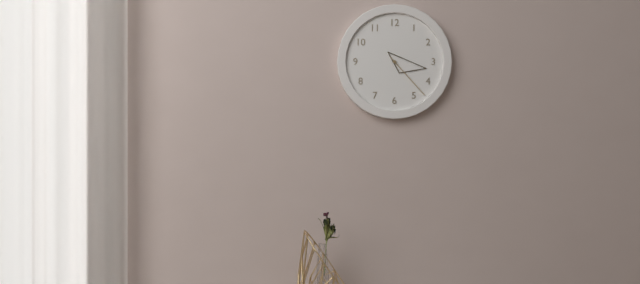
3:23
